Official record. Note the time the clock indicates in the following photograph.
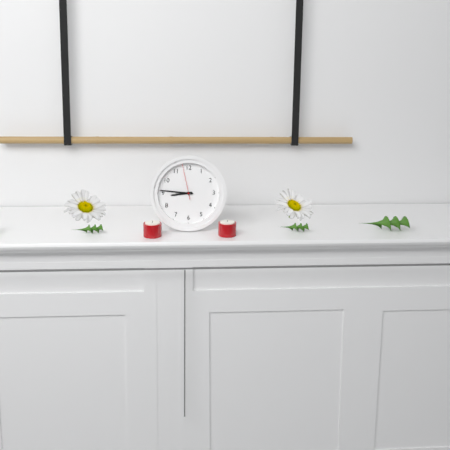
8:46
